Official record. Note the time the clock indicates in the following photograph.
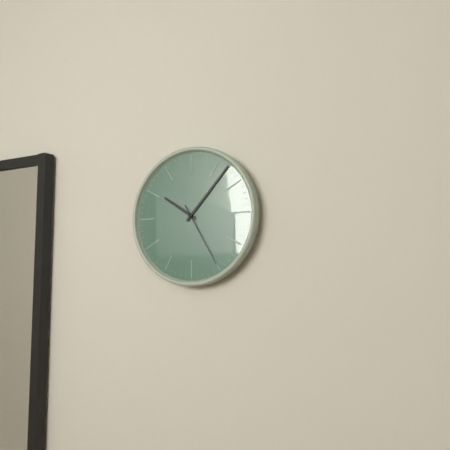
10:07:25
